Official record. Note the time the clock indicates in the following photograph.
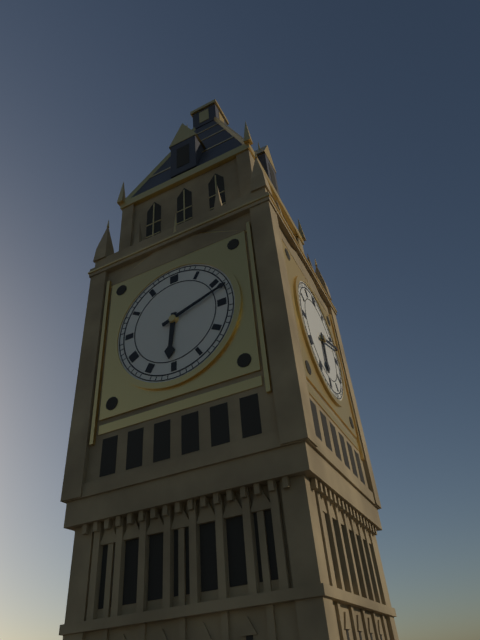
6:12
